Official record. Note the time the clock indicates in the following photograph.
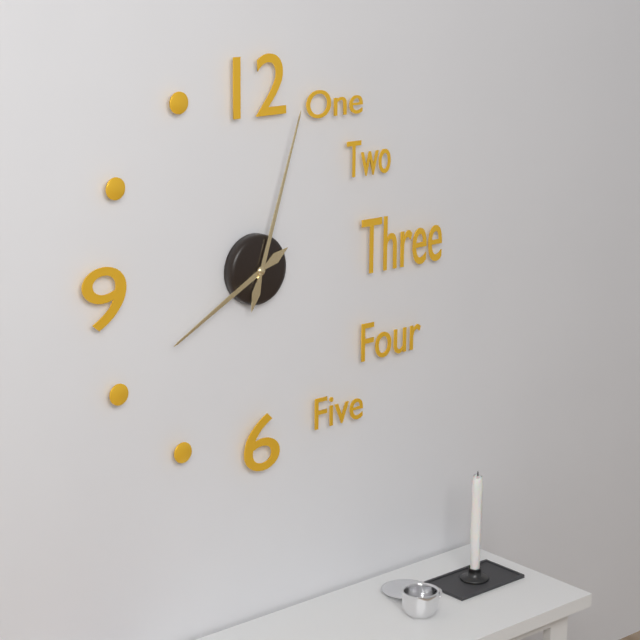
8:03
